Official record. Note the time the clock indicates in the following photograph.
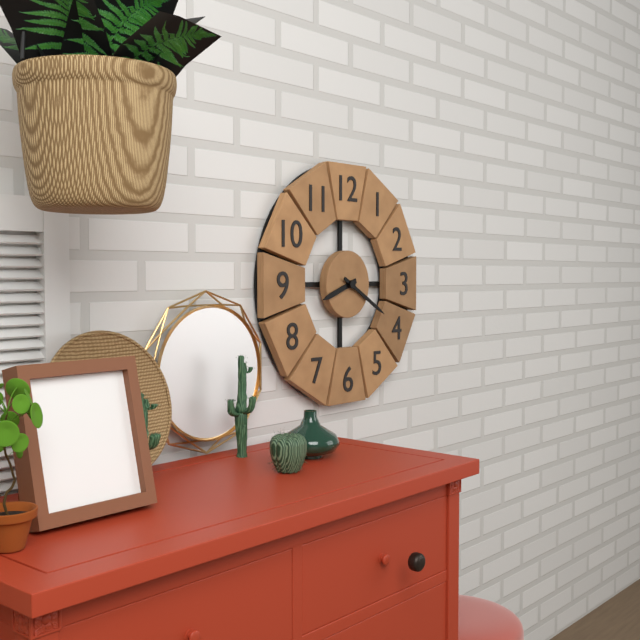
8:20
